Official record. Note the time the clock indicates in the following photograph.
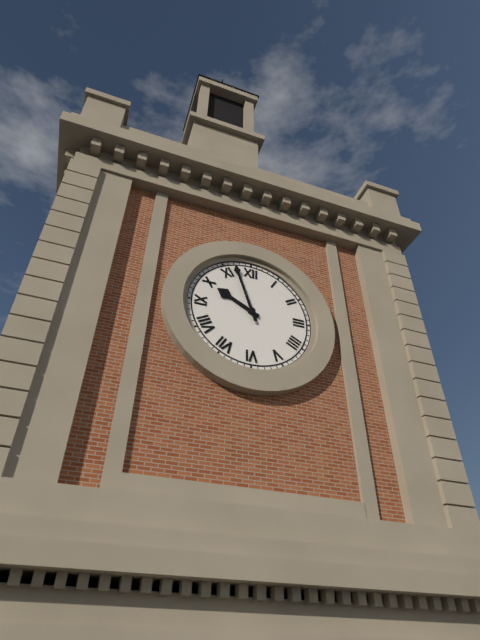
9:57
